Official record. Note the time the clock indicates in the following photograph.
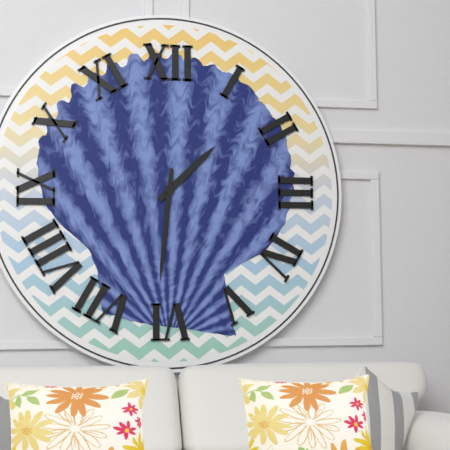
1:31
